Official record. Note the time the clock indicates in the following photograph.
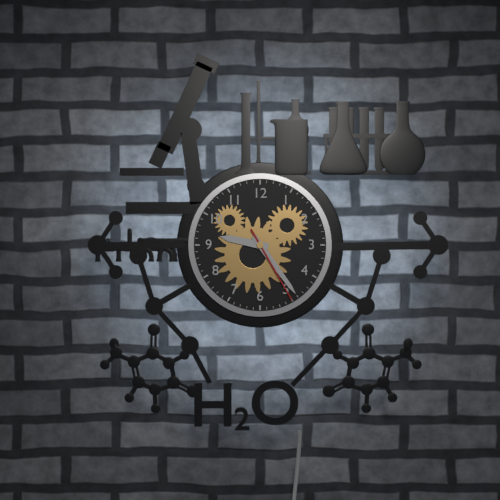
9:24:25
